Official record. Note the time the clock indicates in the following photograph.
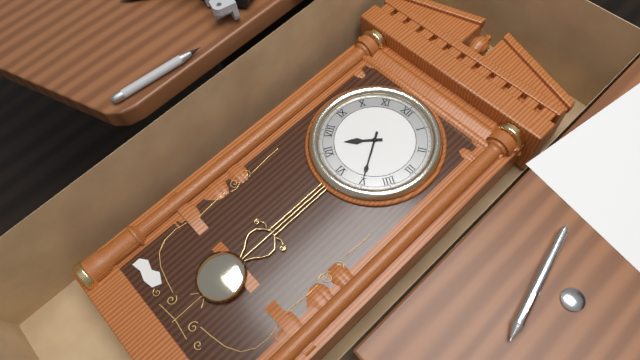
7:25
